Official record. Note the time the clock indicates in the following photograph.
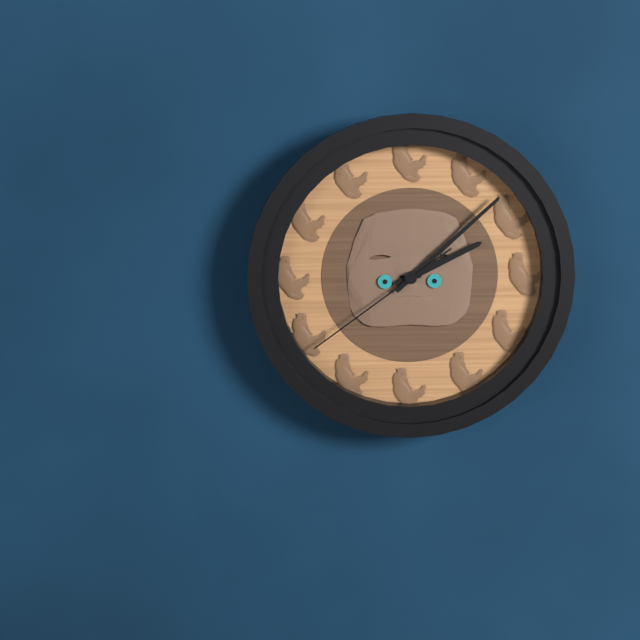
2:08:39
